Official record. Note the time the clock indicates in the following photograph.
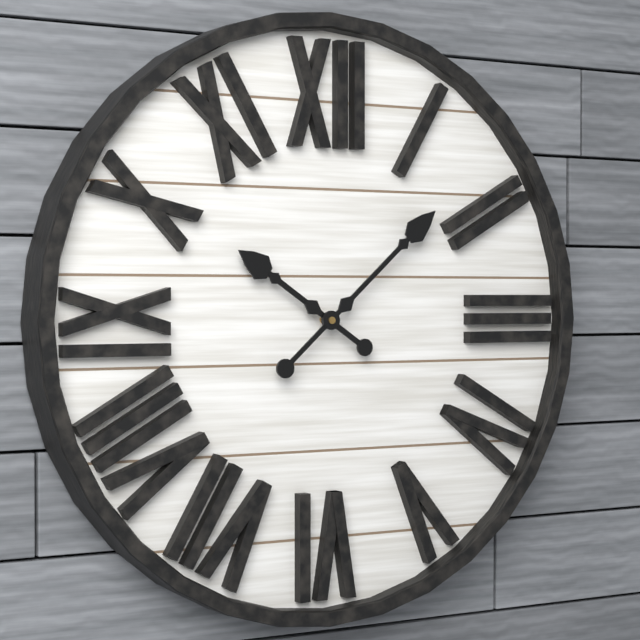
10:08
